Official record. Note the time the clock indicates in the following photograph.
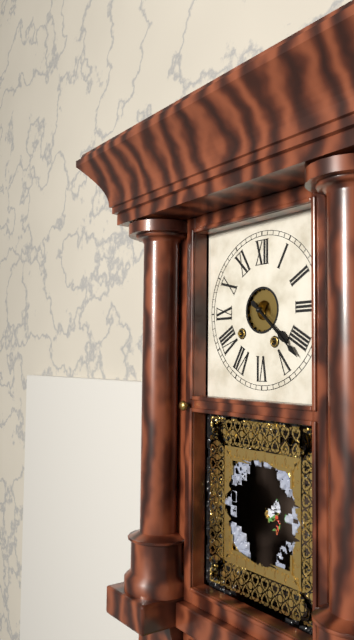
4:22
